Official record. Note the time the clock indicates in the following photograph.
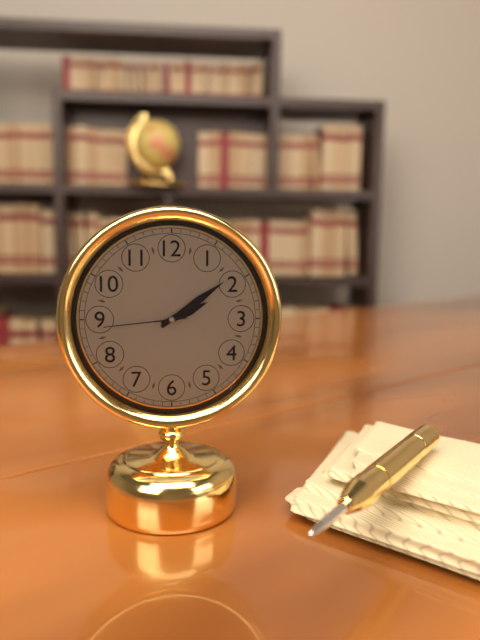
2:09:44
